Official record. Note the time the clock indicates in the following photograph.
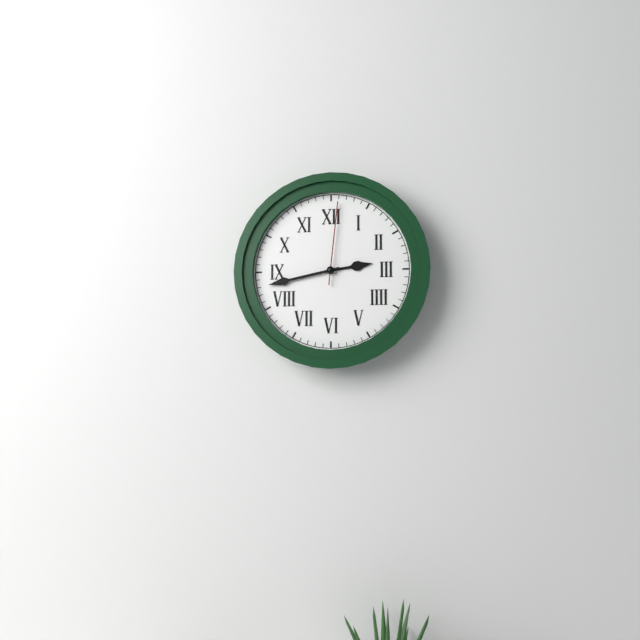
2:43:01
